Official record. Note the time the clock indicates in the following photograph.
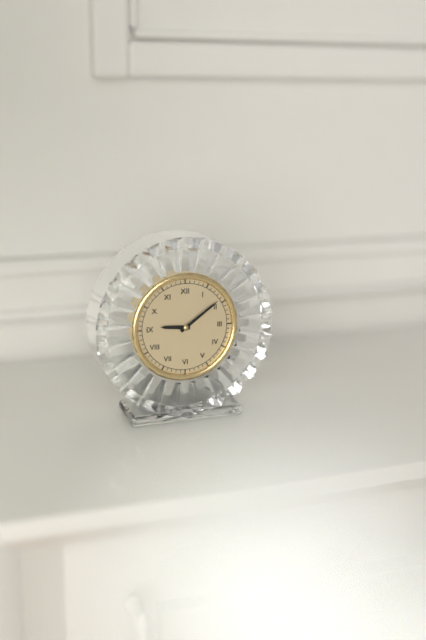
9:09
